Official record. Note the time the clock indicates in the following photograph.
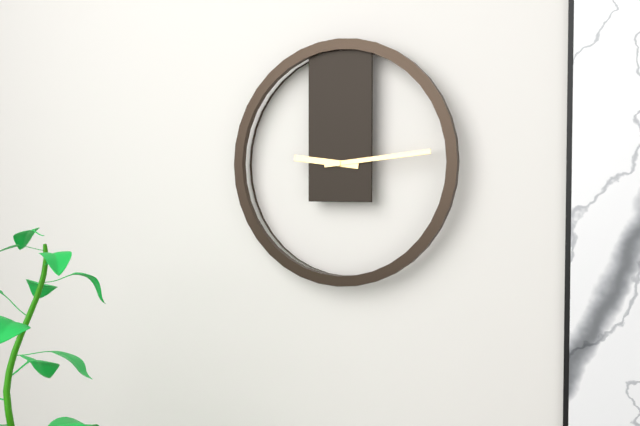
9:14
